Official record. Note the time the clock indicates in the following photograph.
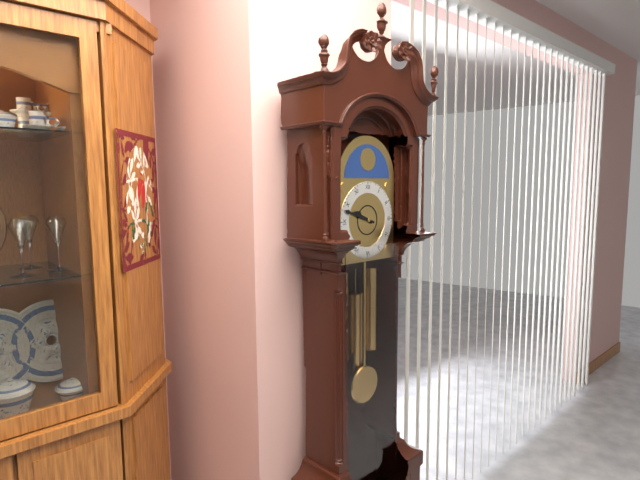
9:48
